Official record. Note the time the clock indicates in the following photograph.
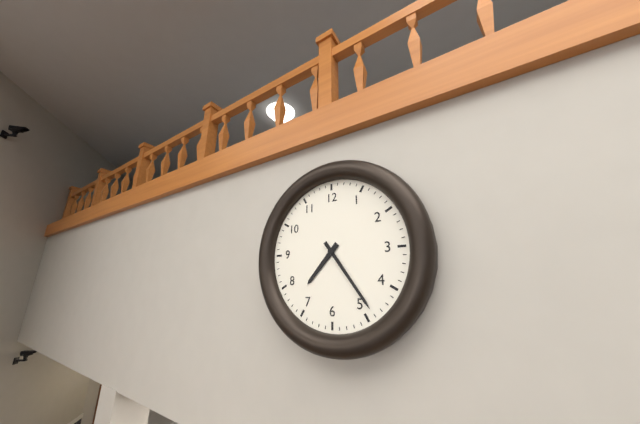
7:24
